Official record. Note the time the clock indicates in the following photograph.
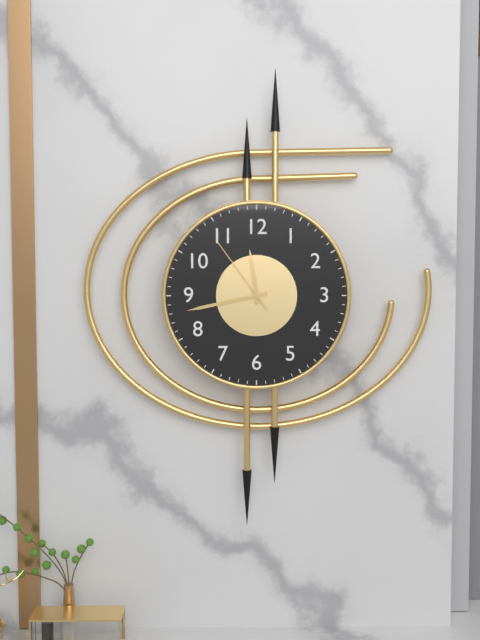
11:43:54
